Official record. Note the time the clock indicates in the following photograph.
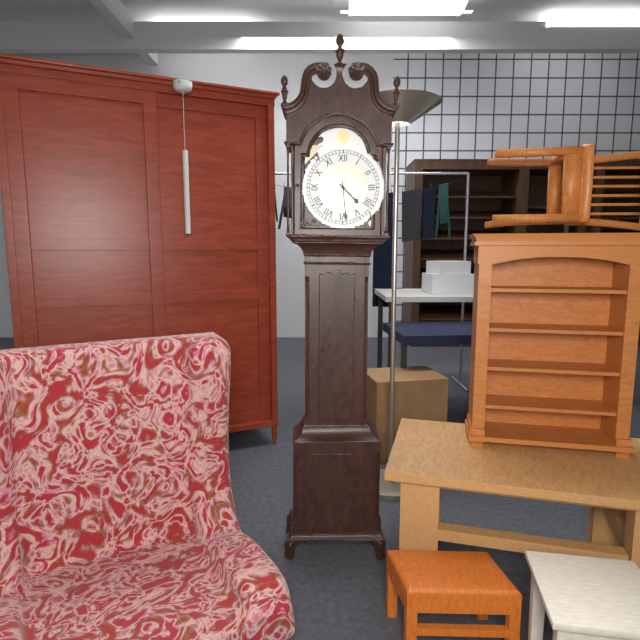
4:29
